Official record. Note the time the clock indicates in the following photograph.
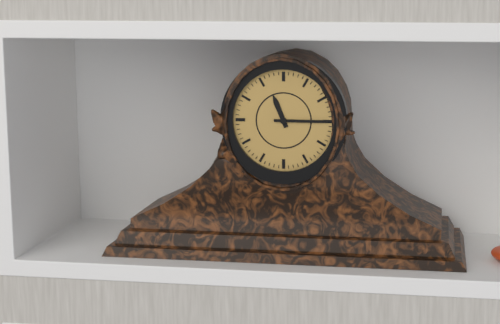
11:15
